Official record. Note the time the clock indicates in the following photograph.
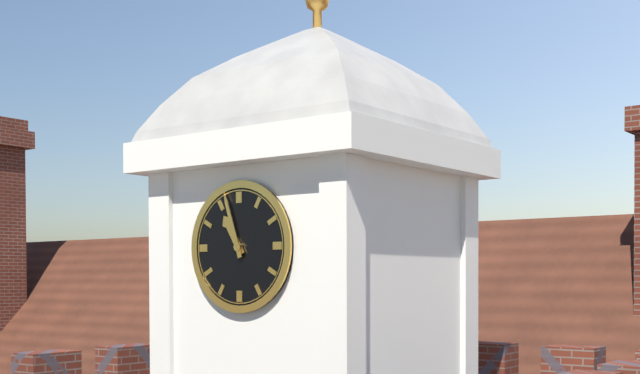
10:57
